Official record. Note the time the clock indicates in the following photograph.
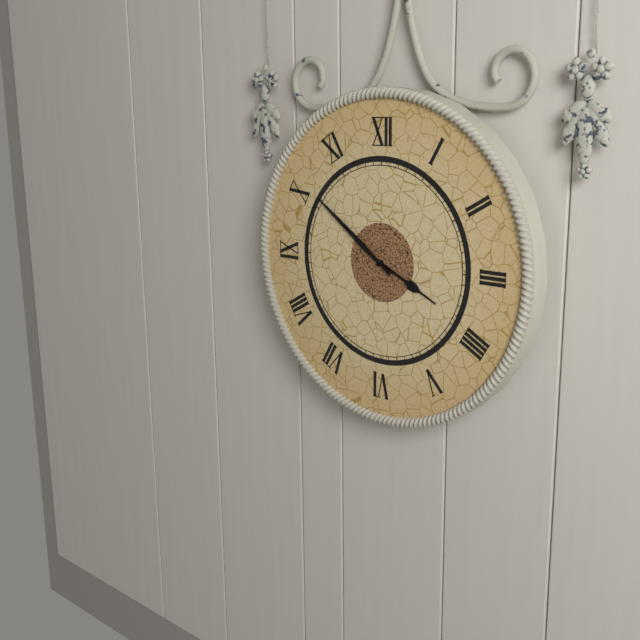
3:51
